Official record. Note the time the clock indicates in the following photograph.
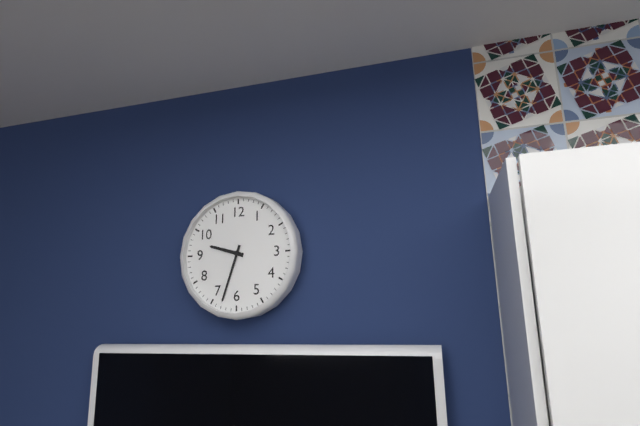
9:33
